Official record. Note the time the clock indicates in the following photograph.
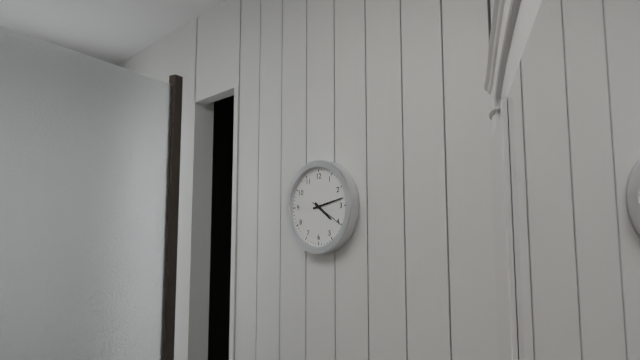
4:13
